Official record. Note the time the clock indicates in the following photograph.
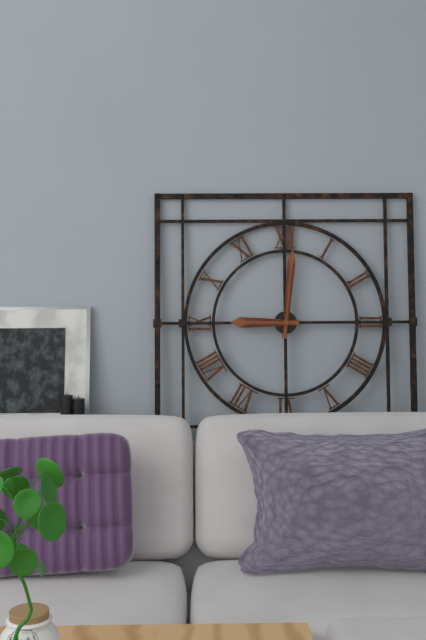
9:01
